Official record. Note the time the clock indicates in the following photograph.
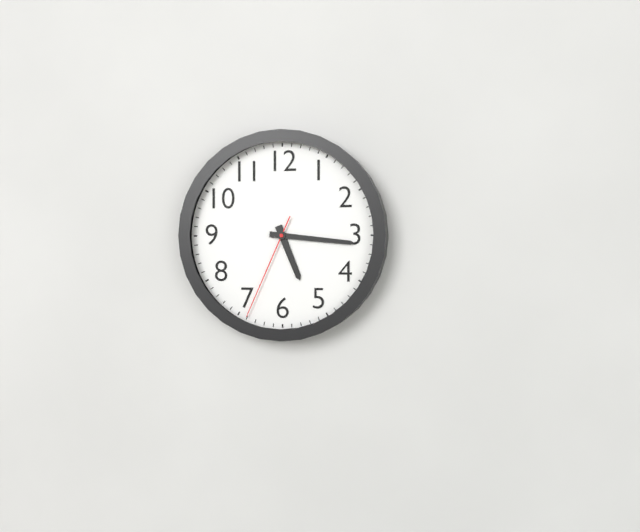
5:16:34
